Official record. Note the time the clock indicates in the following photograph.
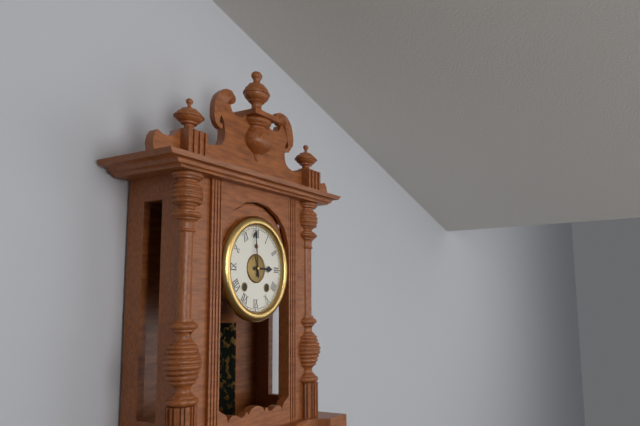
2:59
